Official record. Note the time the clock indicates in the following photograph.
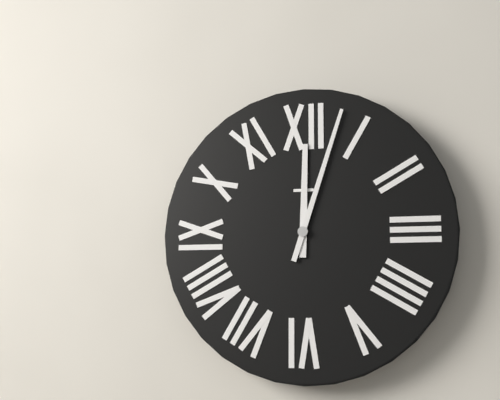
12:03
